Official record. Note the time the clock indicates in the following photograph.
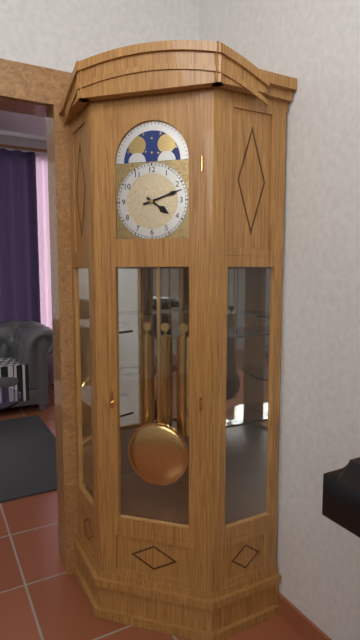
4:12
